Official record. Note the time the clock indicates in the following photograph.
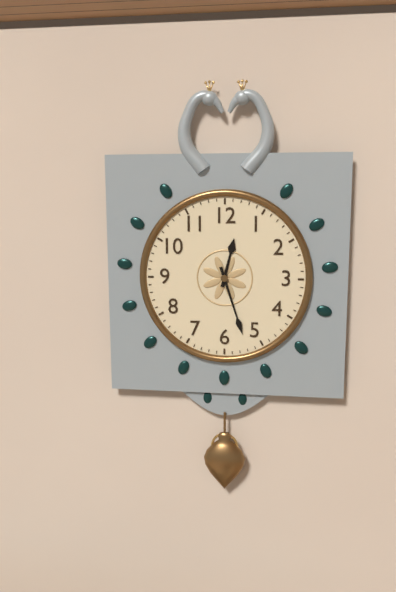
12:27
